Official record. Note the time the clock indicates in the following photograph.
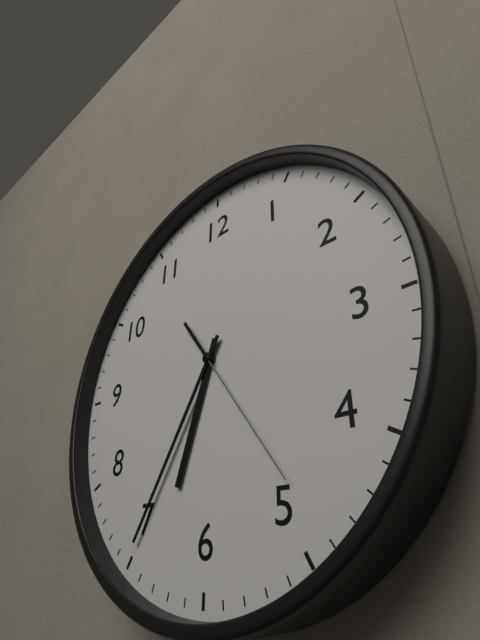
6:35:24
